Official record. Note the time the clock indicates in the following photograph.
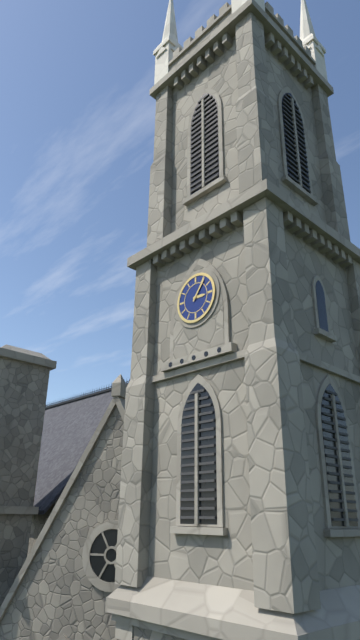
3:06
